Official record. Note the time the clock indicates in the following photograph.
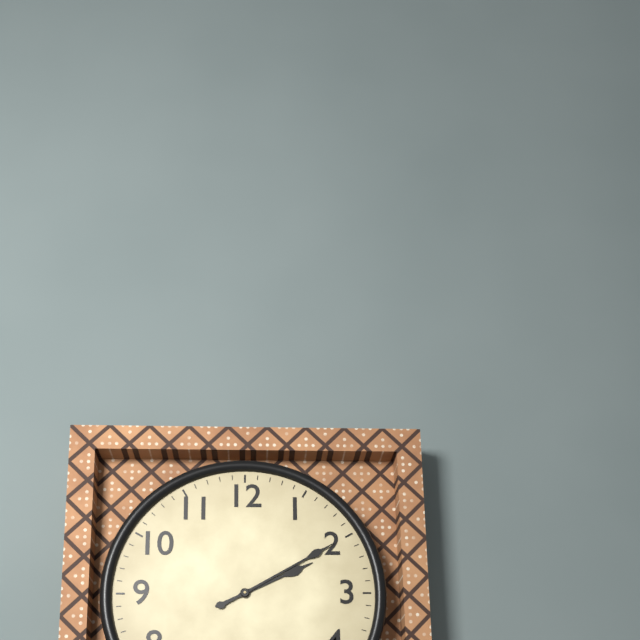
2:10
